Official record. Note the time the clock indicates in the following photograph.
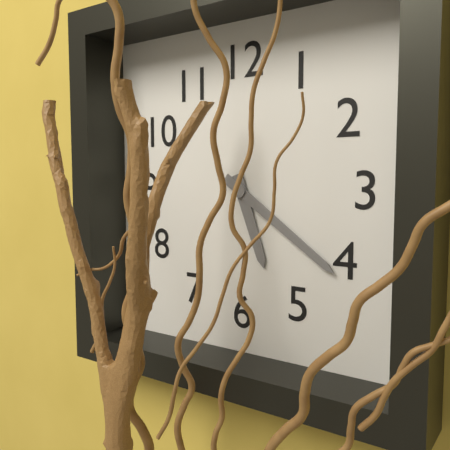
5:21
